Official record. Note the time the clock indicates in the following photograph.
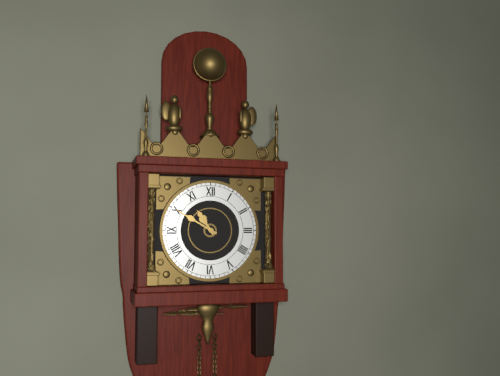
10:50
